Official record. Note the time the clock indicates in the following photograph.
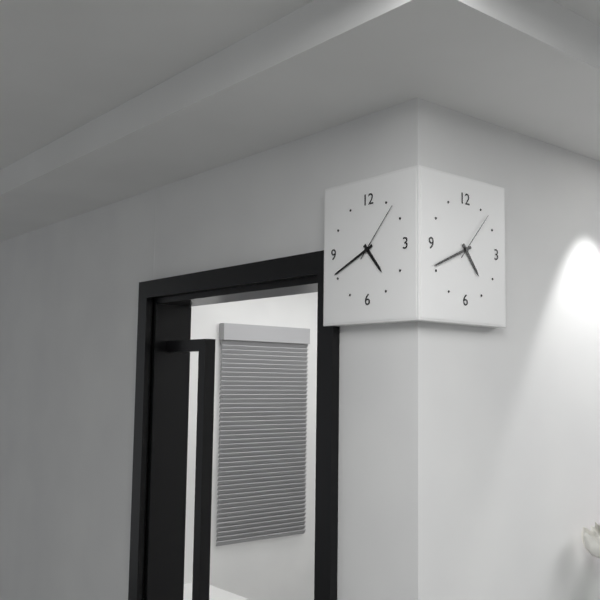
4:41:07
